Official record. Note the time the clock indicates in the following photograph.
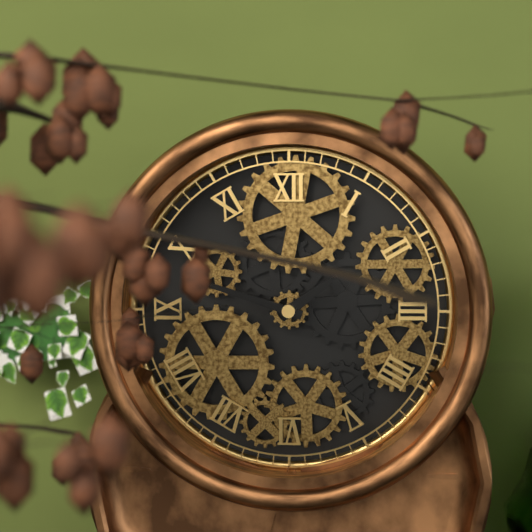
1:48
